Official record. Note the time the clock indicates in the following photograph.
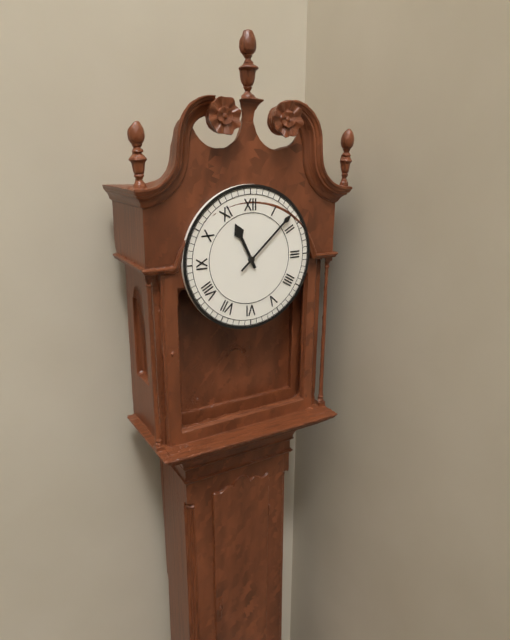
11:08
